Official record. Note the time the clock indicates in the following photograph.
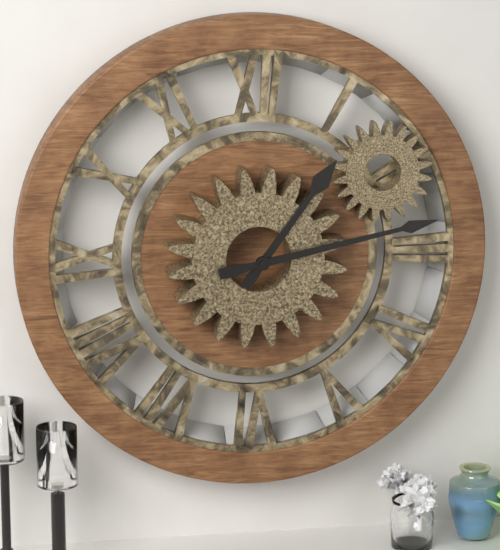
1:13
